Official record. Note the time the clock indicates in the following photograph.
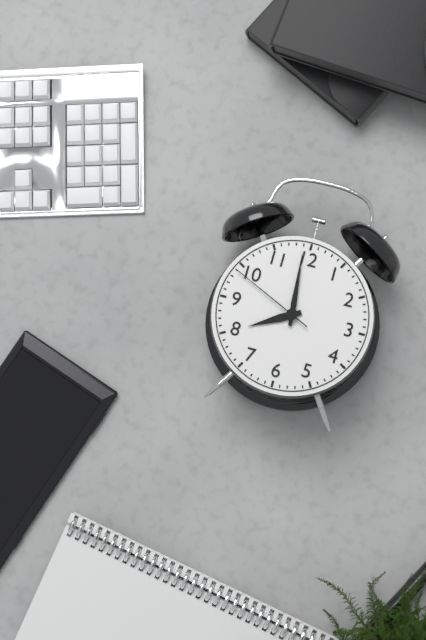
7:59:49
